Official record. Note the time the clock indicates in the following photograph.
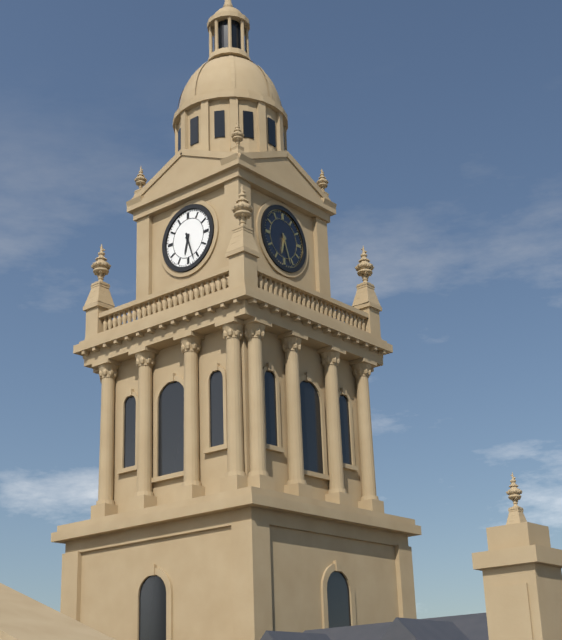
6:27
